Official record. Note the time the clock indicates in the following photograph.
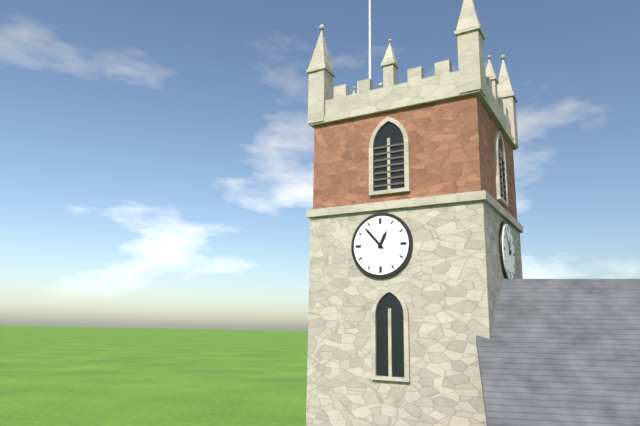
12:53
